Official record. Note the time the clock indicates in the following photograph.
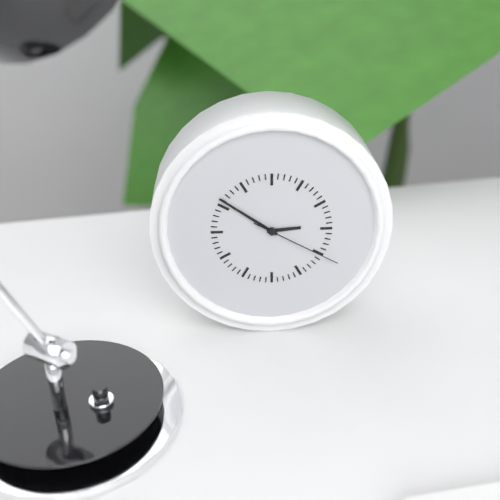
2:51:20
